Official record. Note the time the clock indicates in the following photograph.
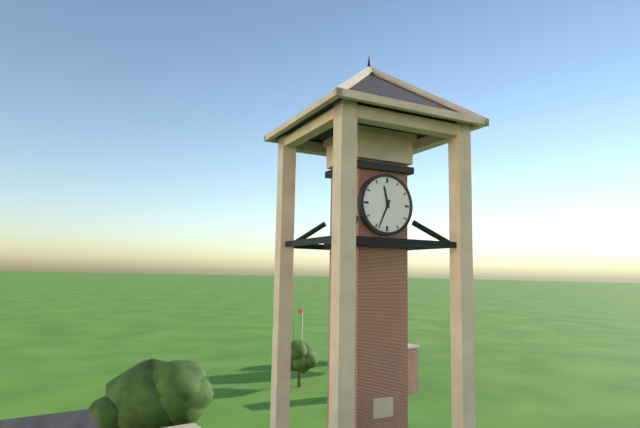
11:34
